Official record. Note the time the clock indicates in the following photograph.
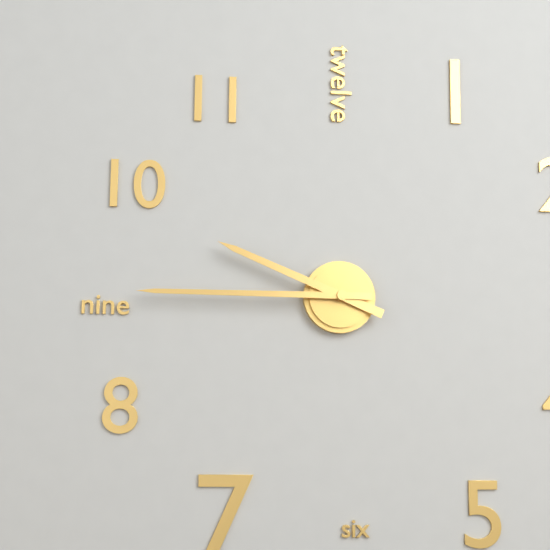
9:45
